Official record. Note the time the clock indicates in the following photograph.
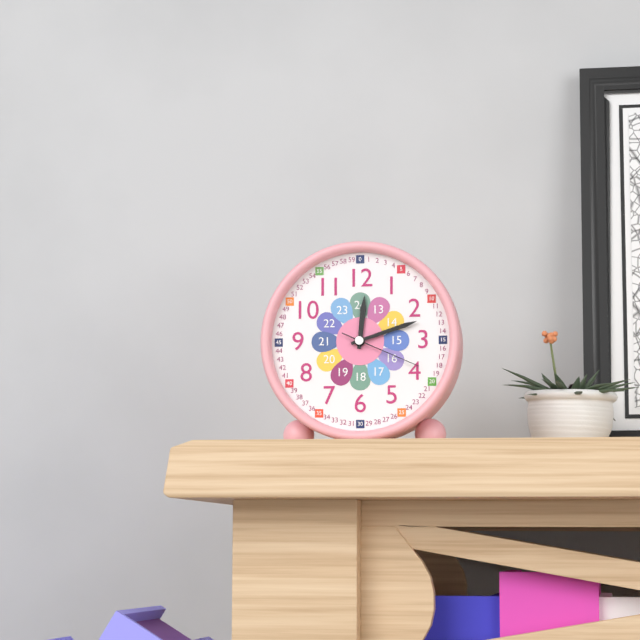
12:12:19
